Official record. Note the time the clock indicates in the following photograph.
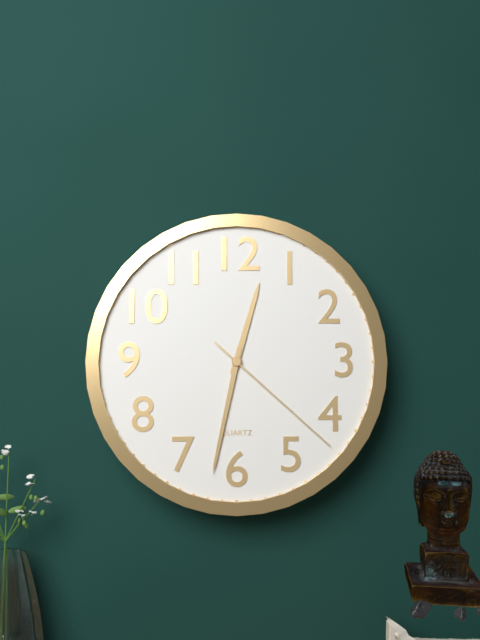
12:32:22
